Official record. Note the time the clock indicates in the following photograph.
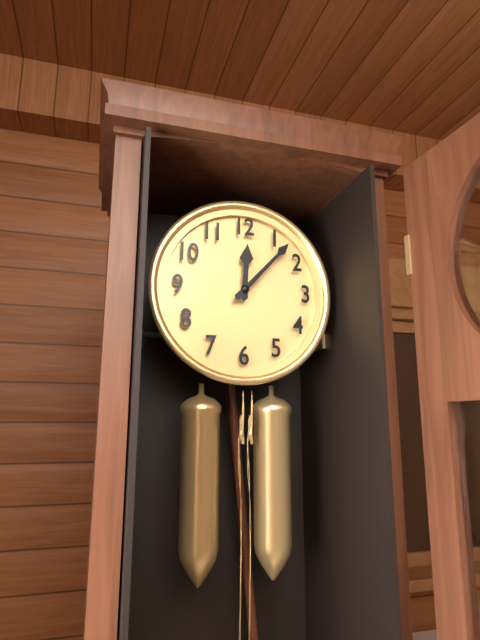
12:07
